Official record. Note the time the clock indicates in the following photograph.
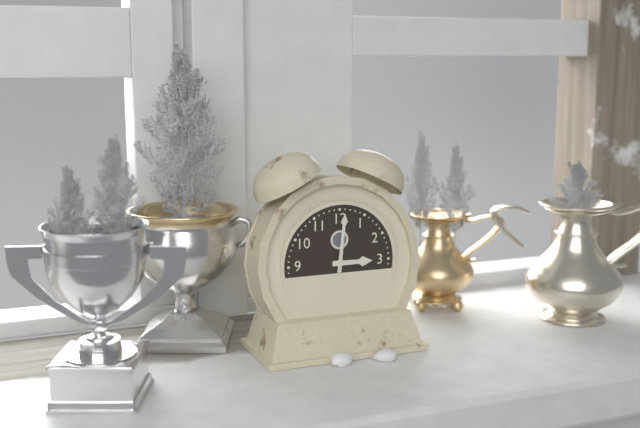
3:01
